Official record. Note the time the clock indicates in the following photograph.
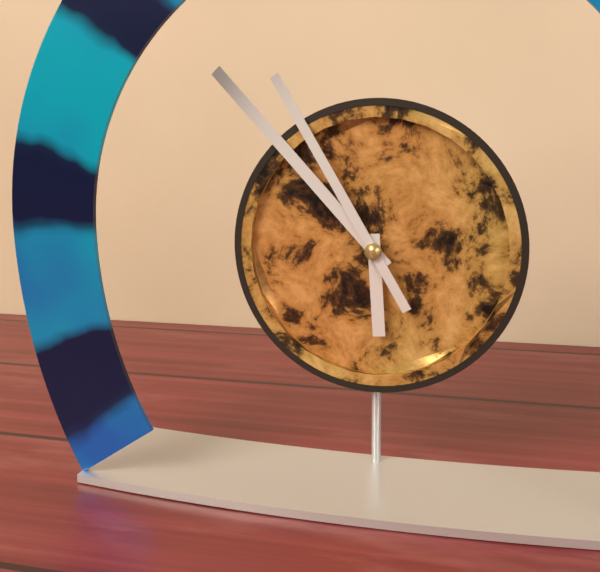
5:53:55
